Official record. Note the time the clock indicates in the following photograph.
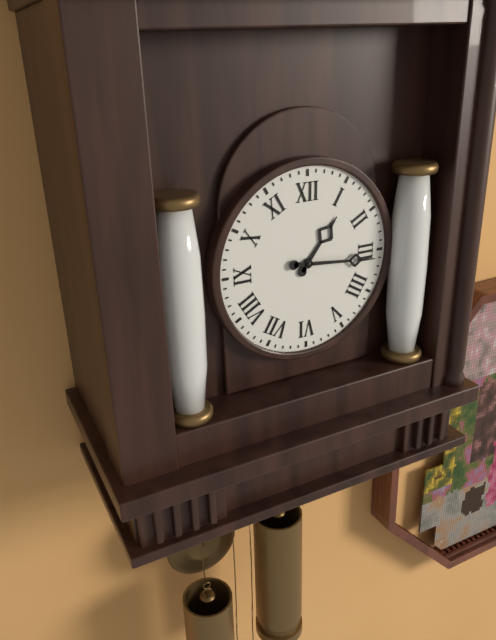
1:16
